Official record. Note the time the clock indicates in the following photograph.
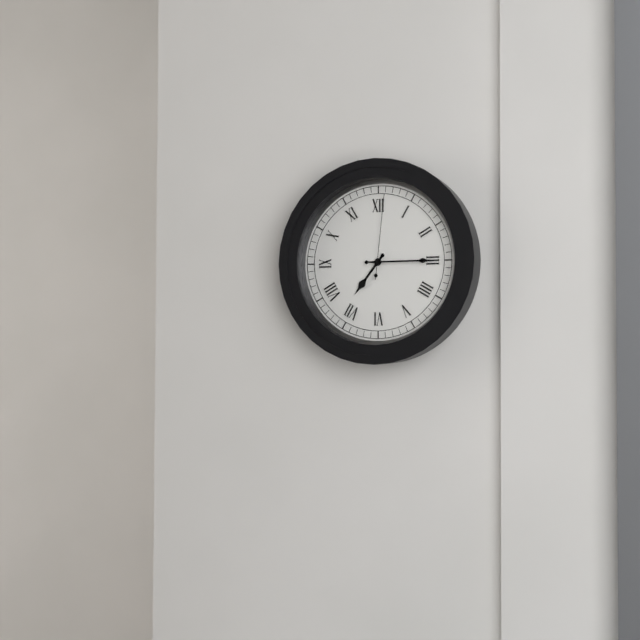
7:15:01
